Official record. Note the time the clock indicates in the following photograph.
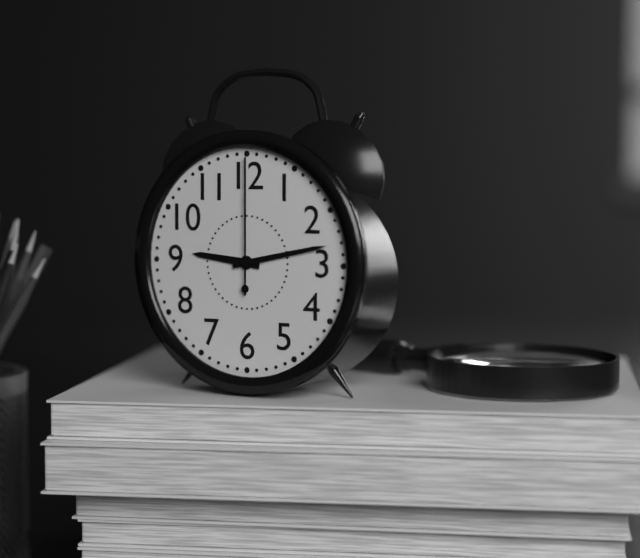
9:13:00
